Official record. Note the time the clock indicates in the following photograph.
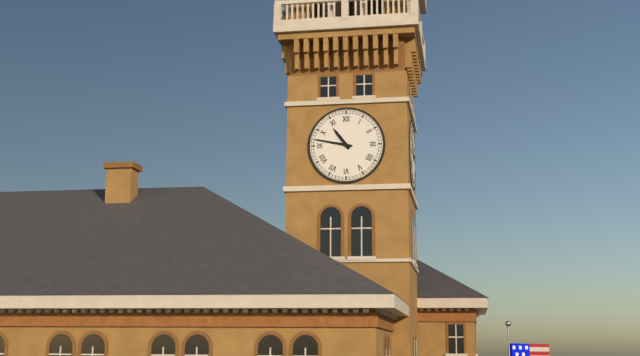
10:47
